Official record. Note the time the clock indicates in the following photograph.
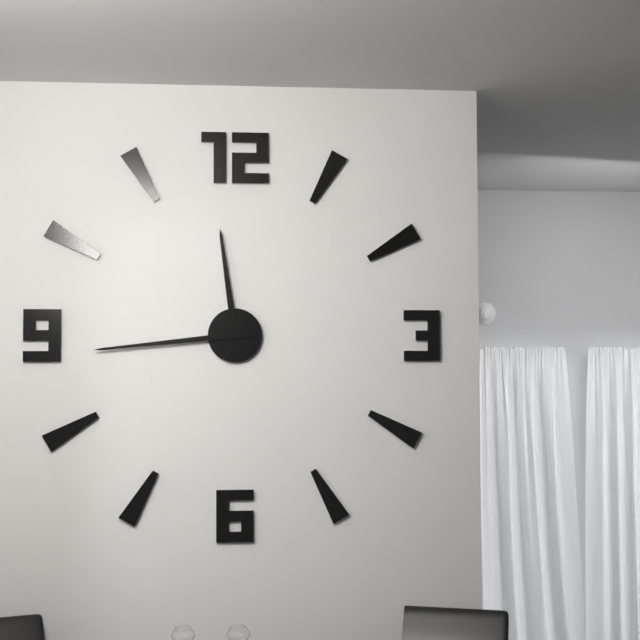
11:44
